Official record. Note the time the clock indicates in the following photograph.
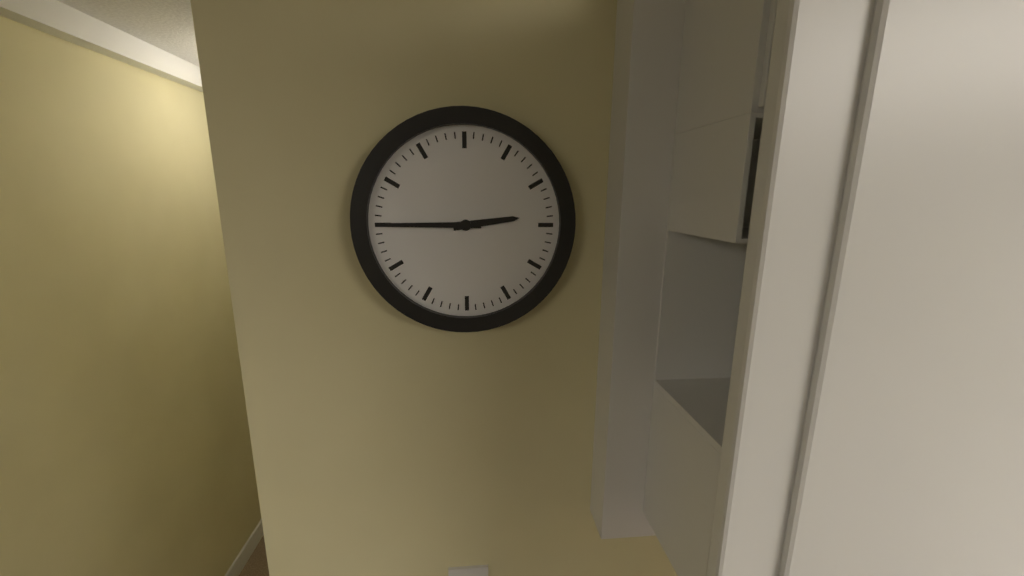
2:45
